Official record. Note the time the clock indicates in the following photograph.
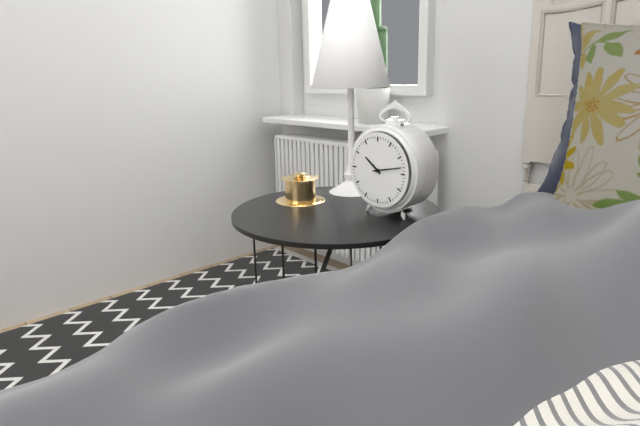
10:13
